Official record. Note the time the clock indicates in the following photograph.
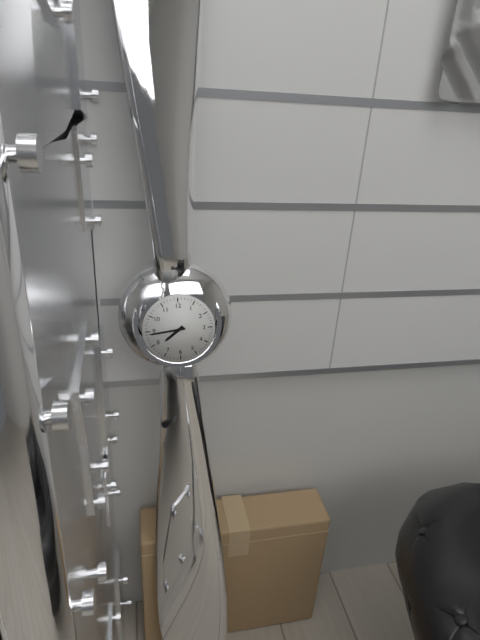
7:44
